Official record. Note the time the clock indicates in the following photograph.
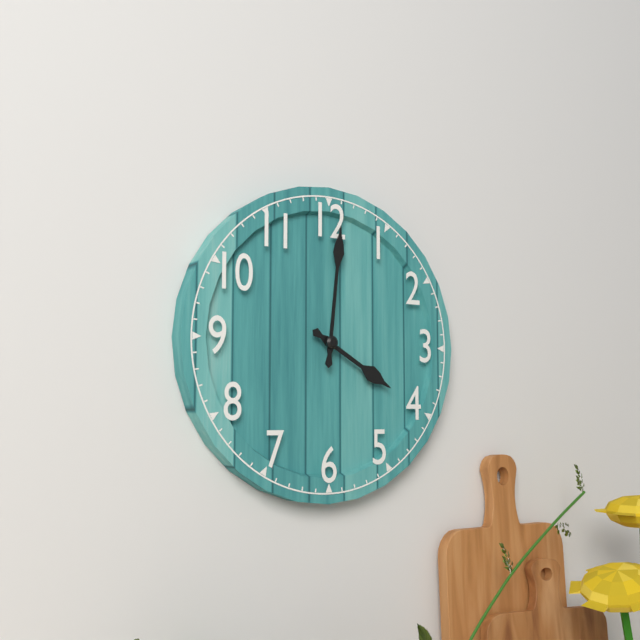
4:01
